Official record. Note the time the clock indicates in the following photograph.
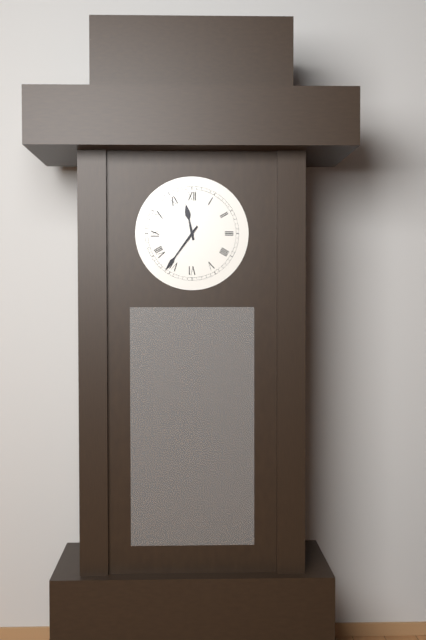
11:36
